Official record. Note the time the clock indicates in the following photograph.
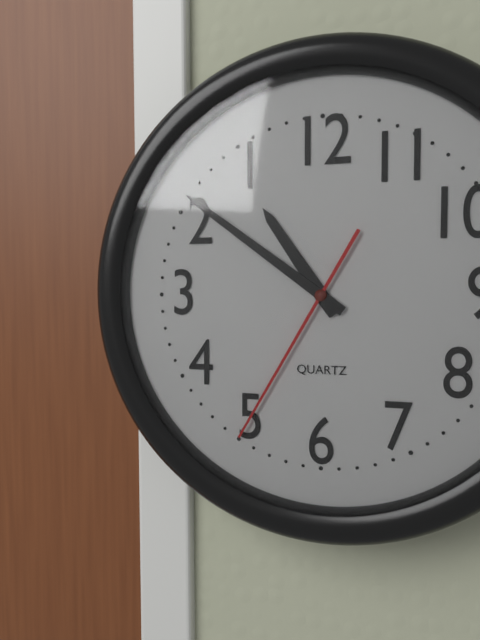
10:51:35
